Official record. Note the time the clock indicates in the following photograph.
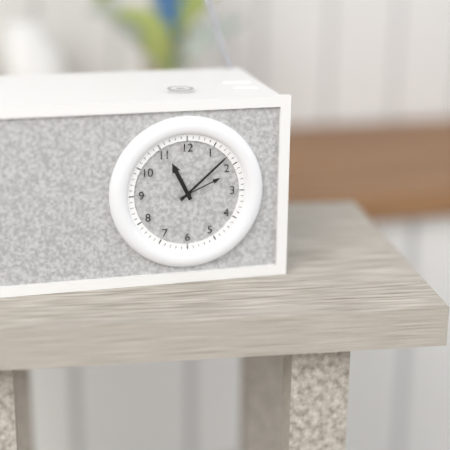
11:08
